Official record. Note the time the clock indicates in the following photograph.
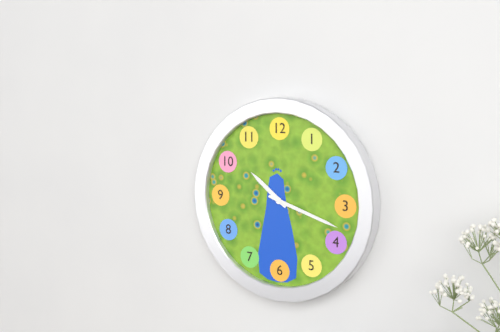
10:18
